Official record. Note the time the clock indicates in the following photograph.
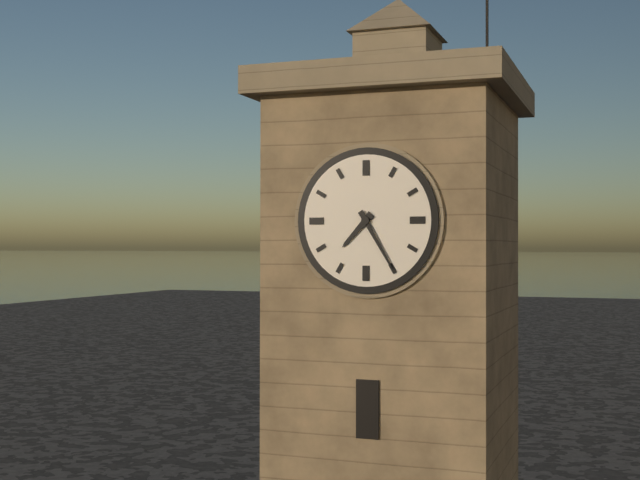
7:25
